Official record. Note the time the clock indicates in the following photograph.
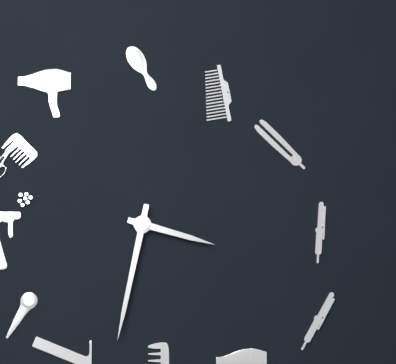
3:32
